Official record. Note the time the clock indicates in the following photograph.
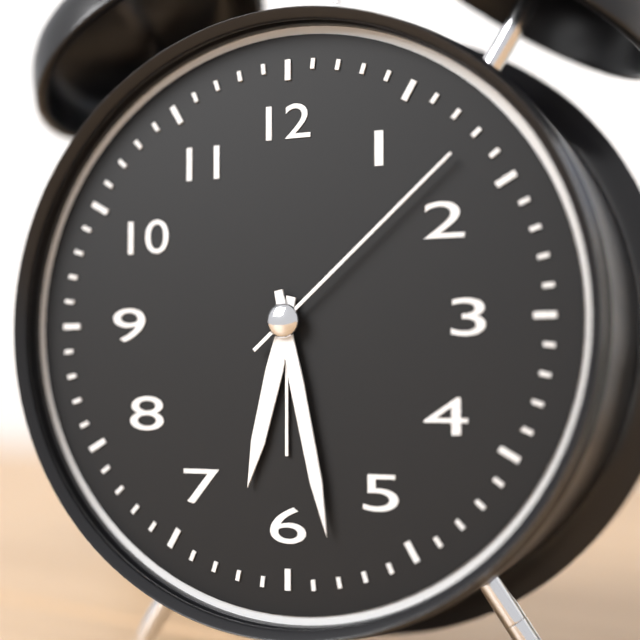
6:28:08
